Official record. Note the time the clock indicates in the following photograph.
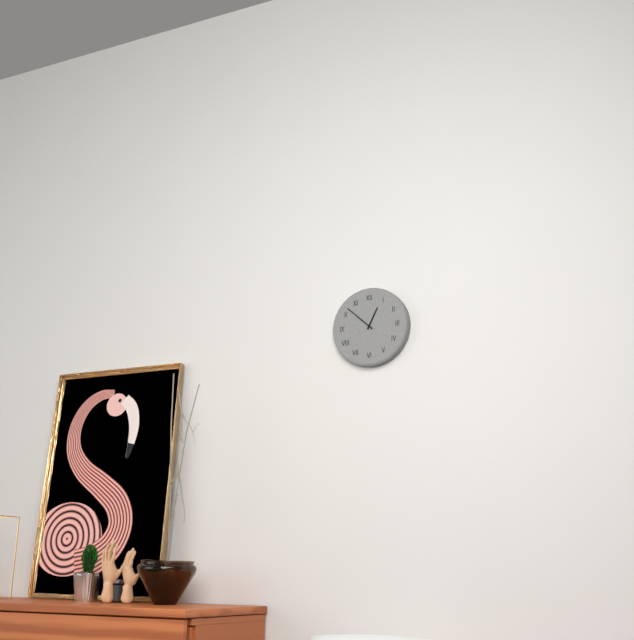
12:52
